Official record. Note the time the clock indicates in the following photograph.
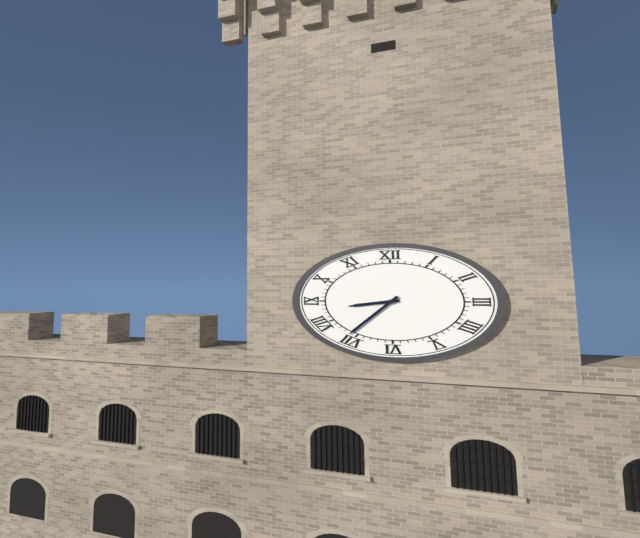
8:36
